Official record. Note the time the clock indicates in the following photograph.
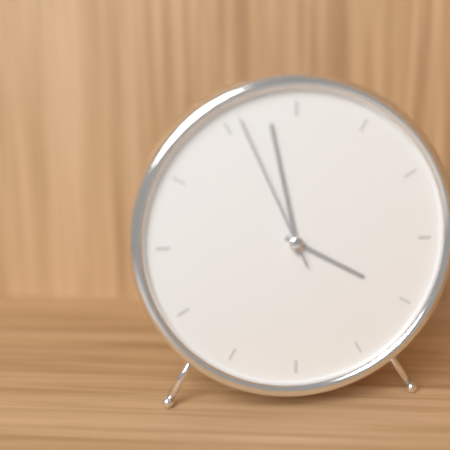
3:58:56
